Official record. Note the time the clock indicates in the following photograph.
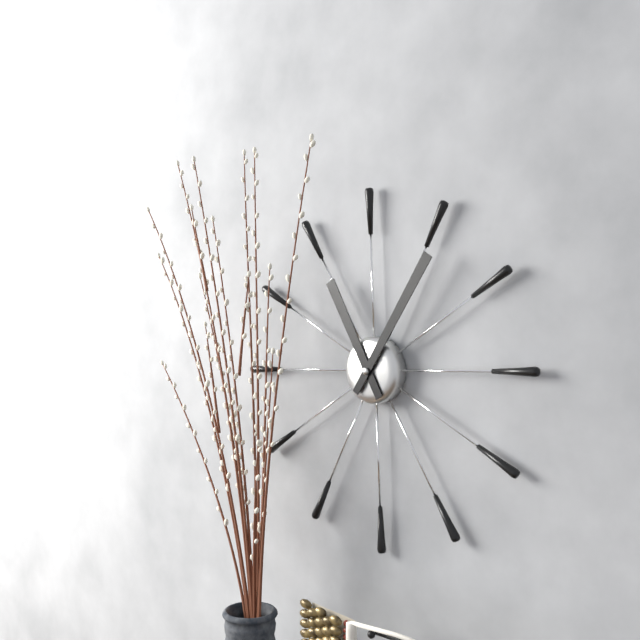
11:06
